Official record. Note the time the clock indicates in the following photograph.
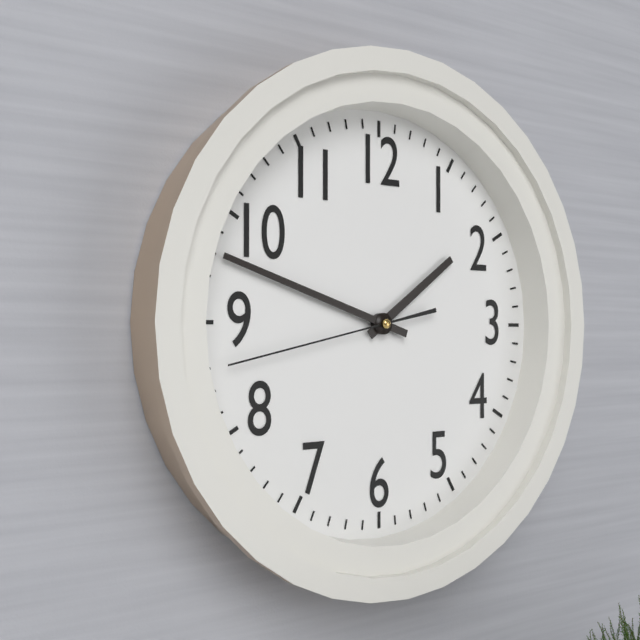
1:48:43
